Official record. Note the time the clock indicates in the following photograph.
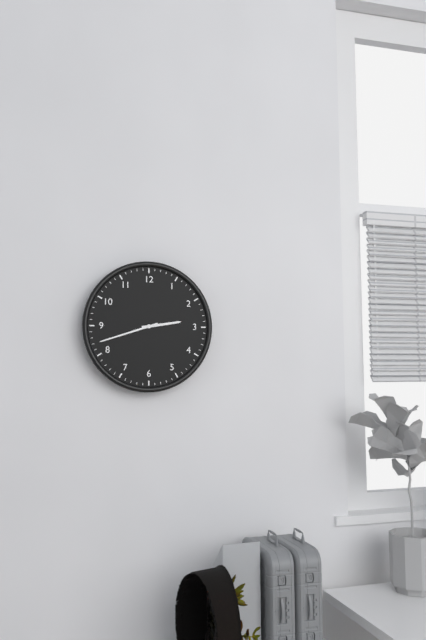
2:42
